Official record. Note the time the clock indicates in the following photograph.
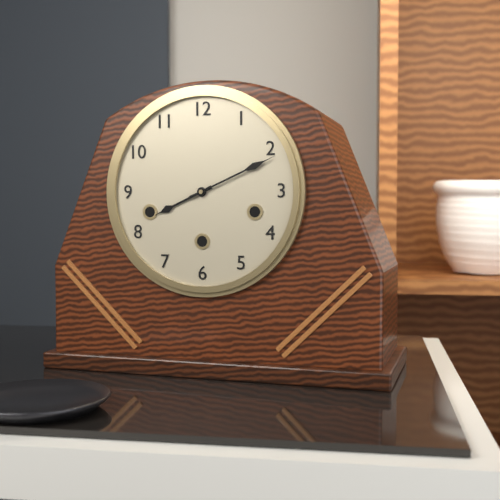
8:11
